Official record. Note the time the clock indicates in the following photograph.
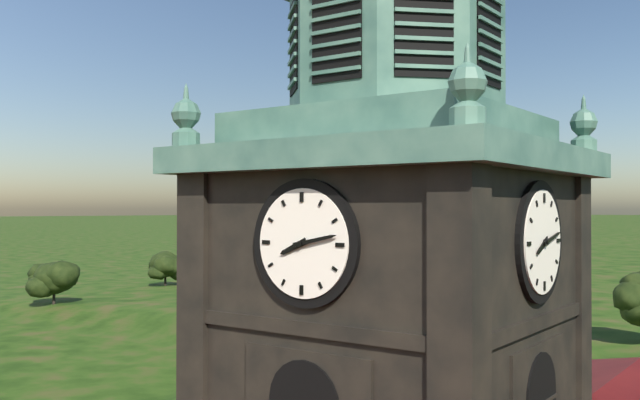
8:13
